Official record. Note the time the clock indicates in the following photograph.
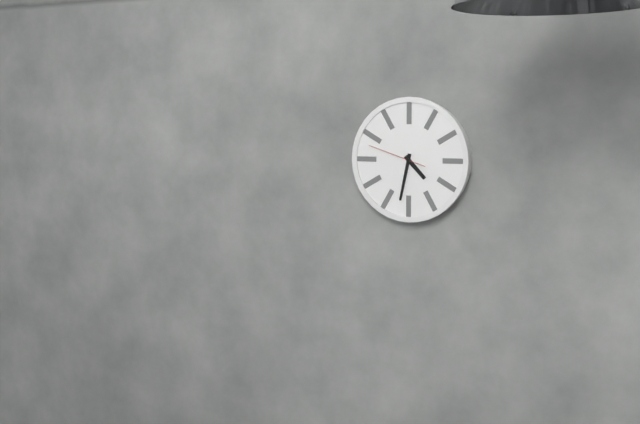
4:32:48
